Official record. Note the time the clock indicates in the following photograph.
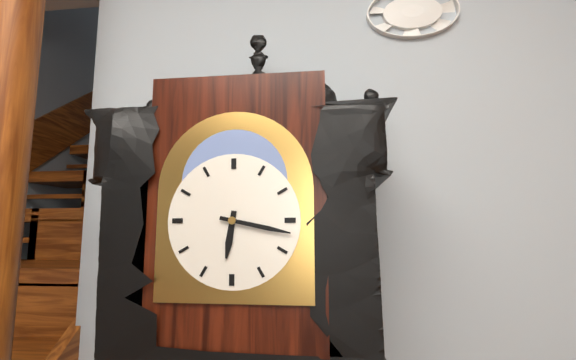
6:17
